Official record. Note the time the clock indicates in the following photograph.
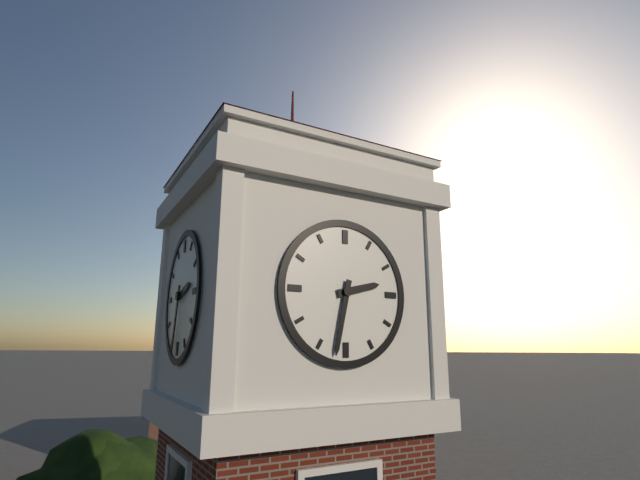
2:32
